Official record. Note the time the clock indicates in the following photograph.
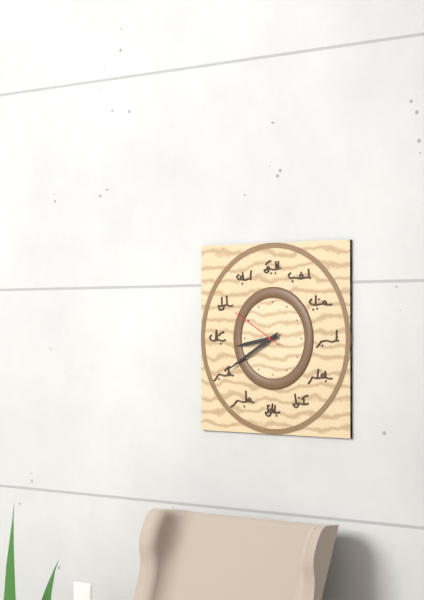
8:40:50
